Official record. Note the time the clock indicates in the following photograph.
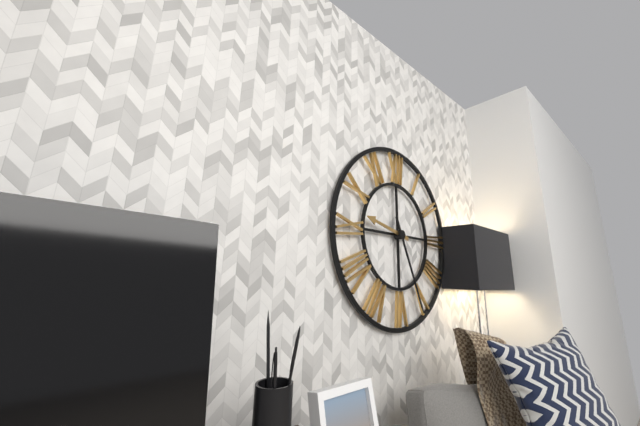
9:26
